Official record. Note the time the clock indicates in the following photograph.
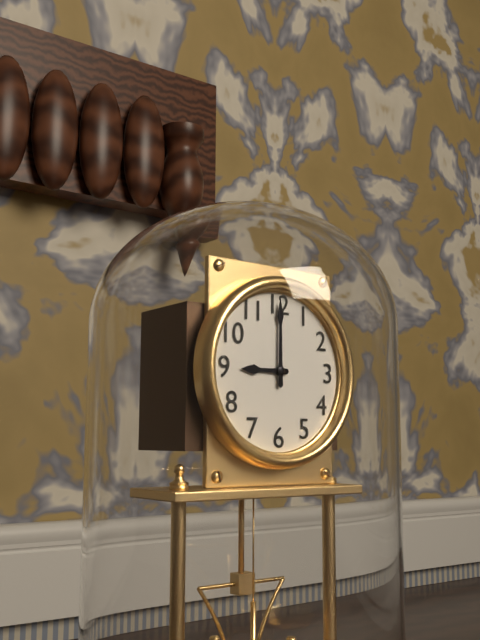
9:00
